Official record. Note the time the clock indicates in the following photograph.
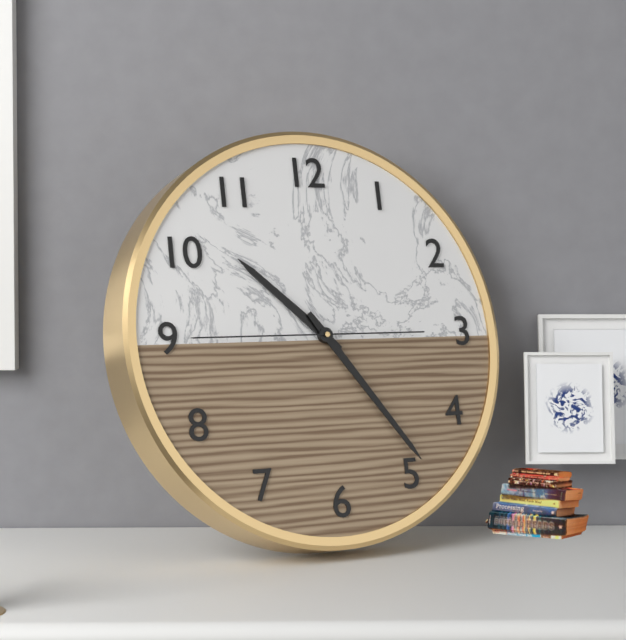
10:24:45
